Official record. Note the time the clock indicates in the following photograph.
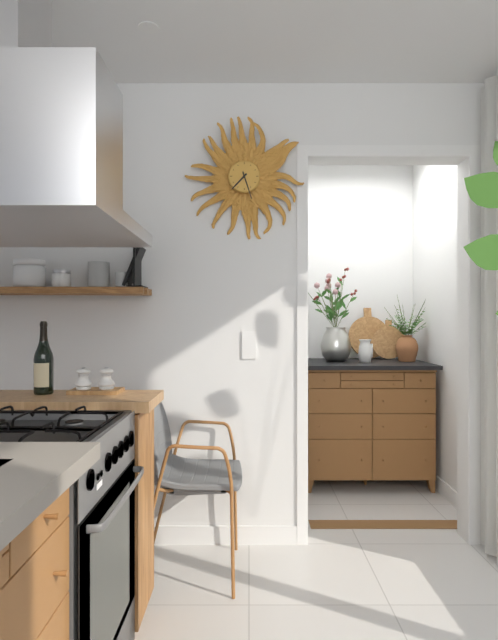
7:27
